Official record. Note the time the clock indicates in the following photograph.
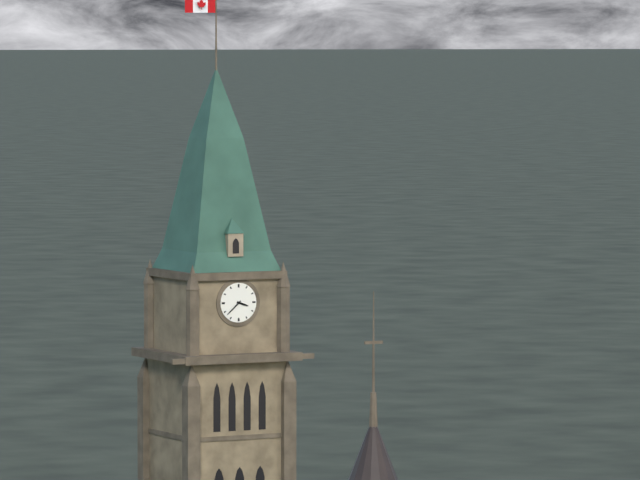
3:38
